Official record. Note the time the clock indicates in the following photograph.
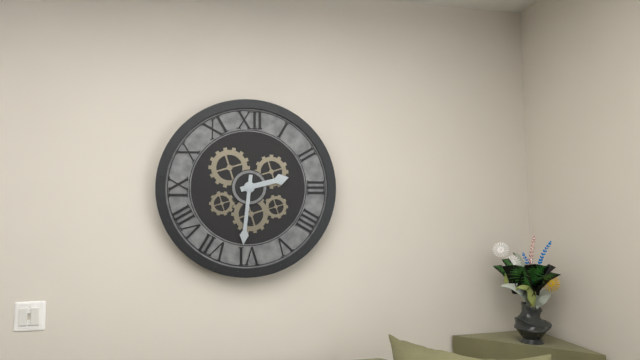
2:31
